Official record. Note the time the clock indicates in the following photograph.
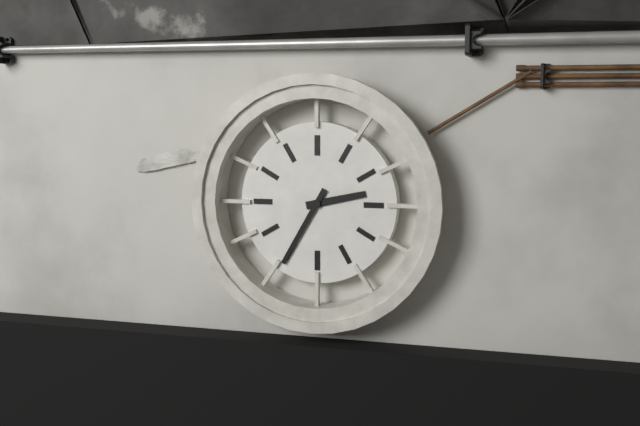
2:35
